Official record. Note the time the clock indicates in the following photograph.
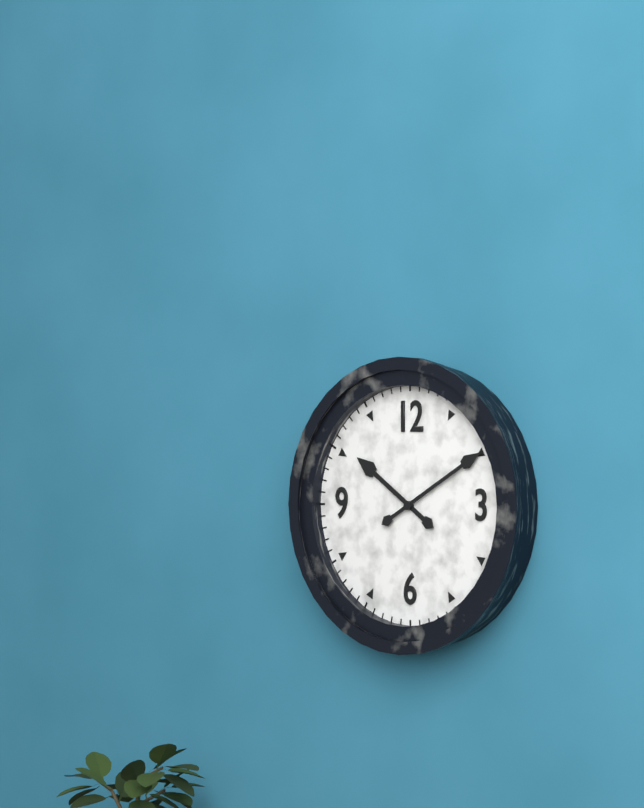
10:10
